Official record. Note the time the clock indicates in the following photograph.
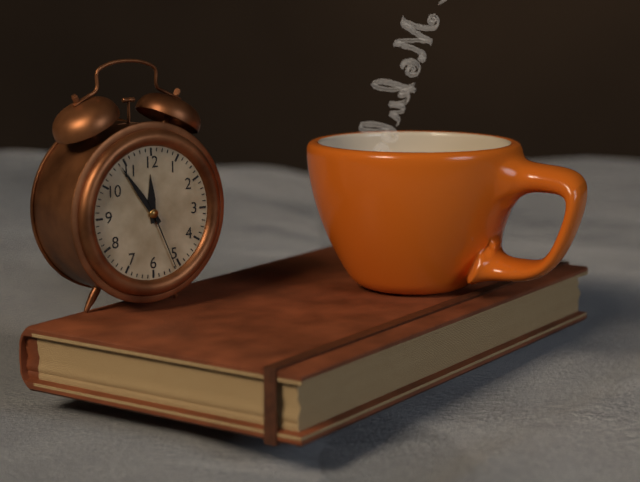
11:54:26
